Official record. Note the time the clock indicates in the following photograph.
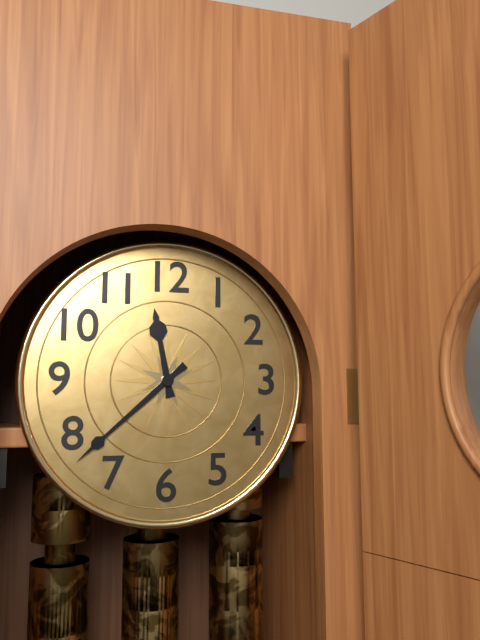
11:38
